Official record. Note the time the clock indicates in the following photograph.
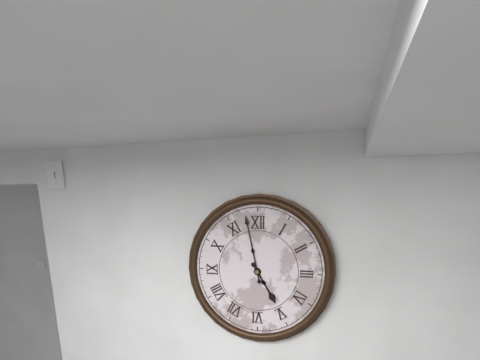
4:58
